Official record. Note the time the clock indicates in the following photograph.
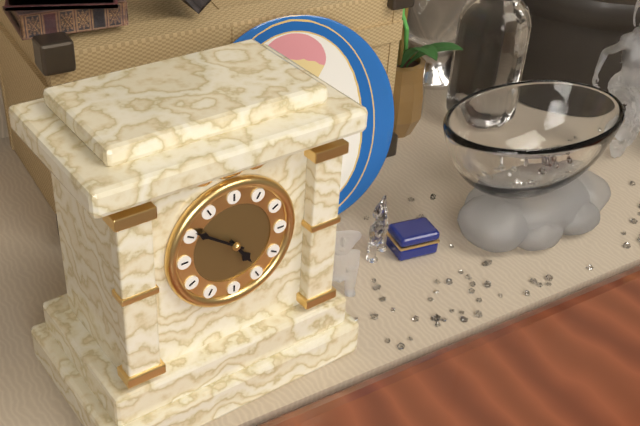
4:51
